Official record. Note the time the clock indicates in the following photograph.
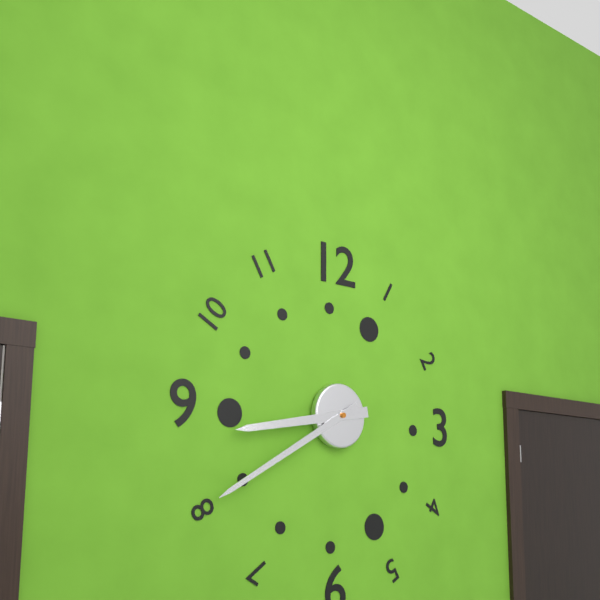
8:40
